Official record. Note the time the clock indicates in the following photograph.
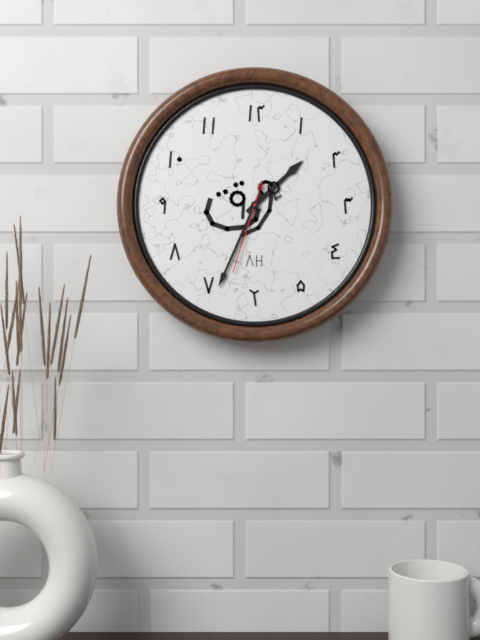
1:34:33
